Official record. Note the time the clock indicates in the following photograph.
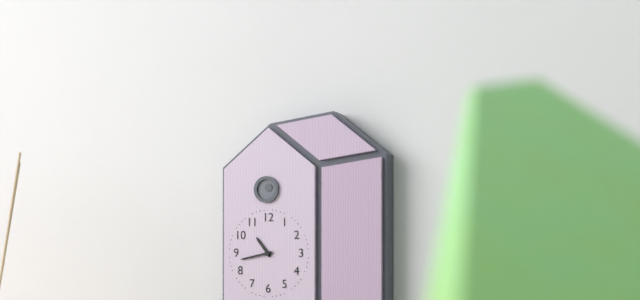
10:43
